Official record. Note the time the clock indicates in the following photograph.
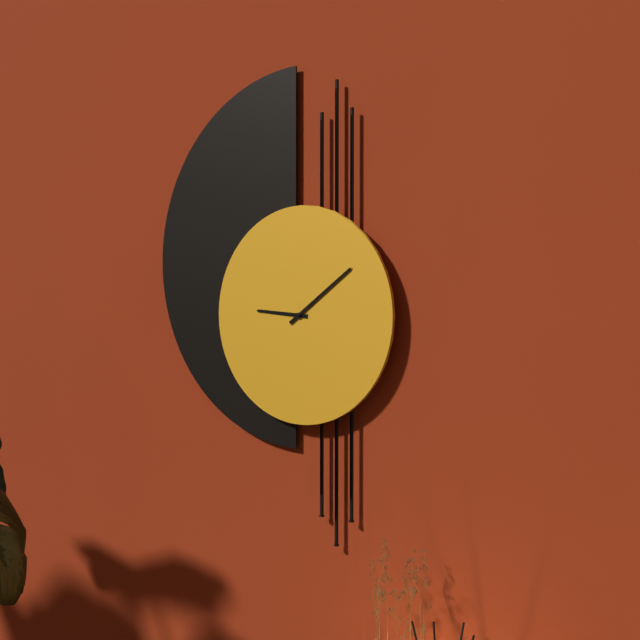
9:09
